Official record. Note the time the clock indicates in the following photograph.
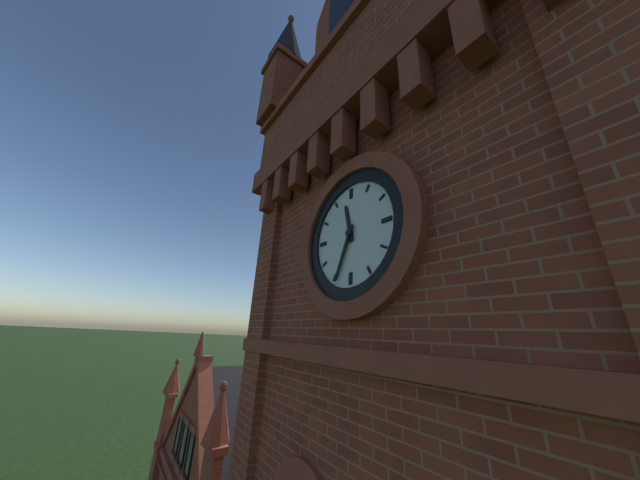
11:34
